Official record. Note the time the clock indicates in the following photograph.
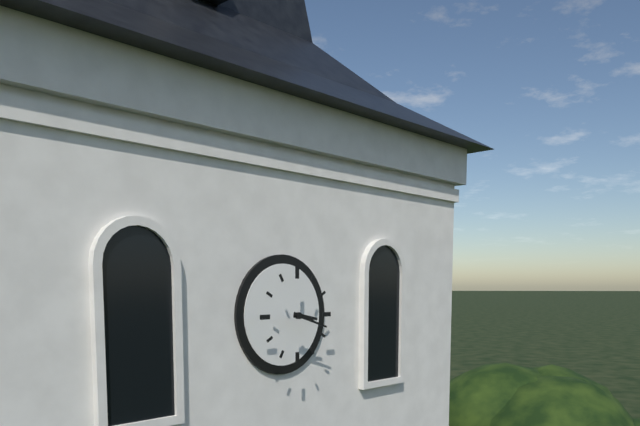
3:18
